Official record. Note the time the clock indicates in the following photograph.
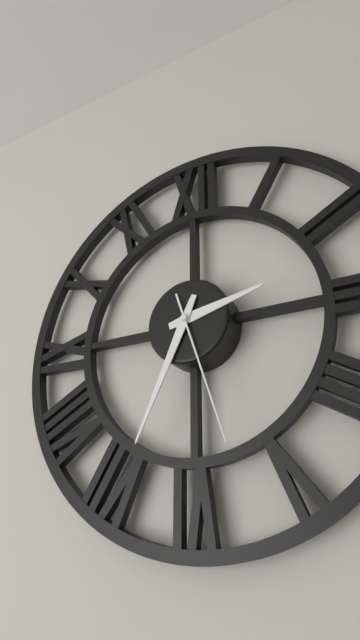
2:34:27
